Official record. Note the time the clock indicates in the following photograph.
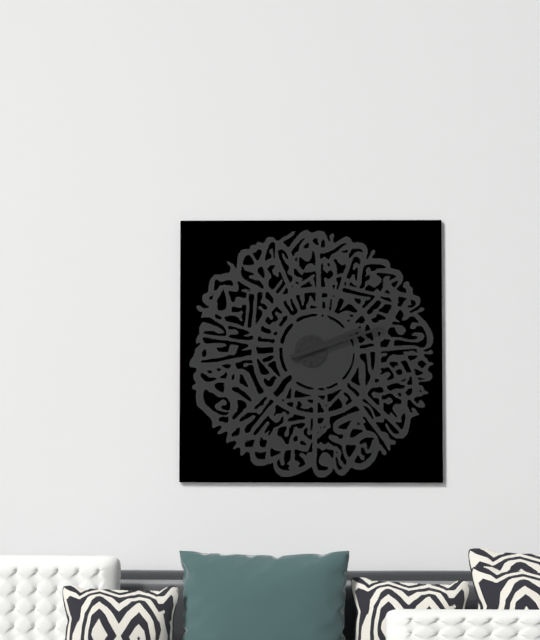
2:12
